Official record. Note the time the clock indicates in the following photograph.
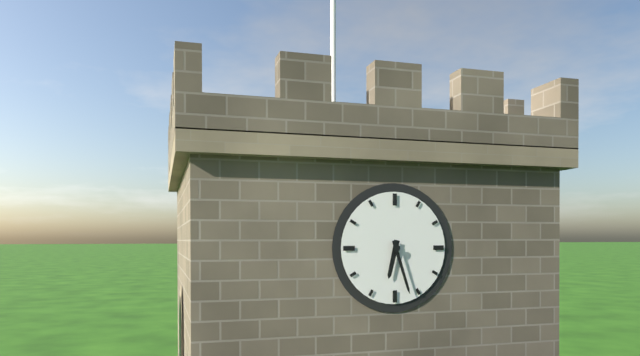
6:27
